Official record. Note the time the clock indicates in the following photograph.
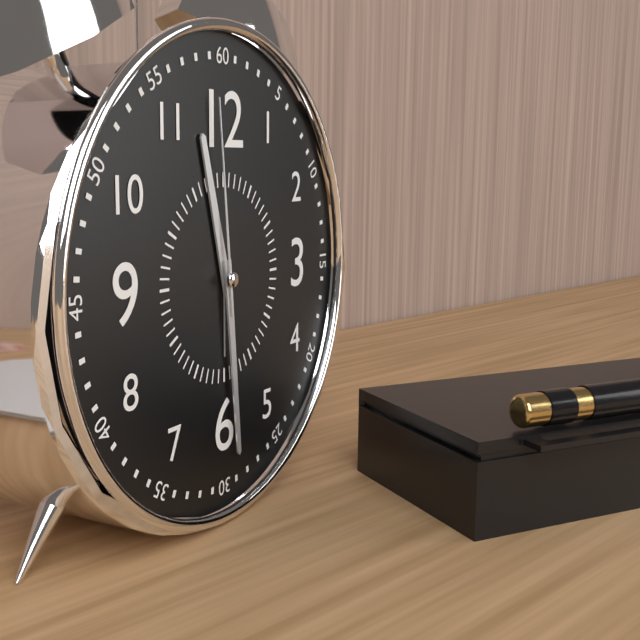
11:29:59
